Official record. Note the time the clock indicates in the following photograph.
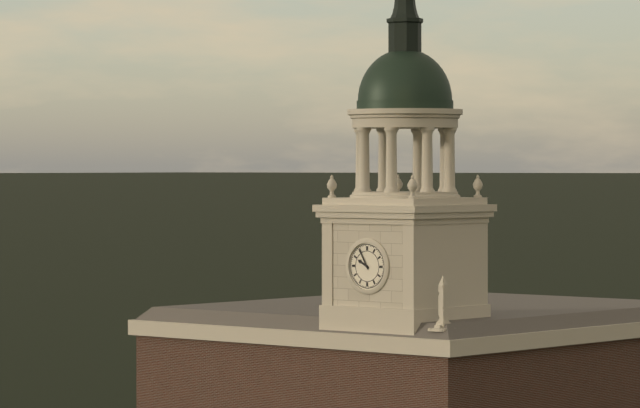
9:55
